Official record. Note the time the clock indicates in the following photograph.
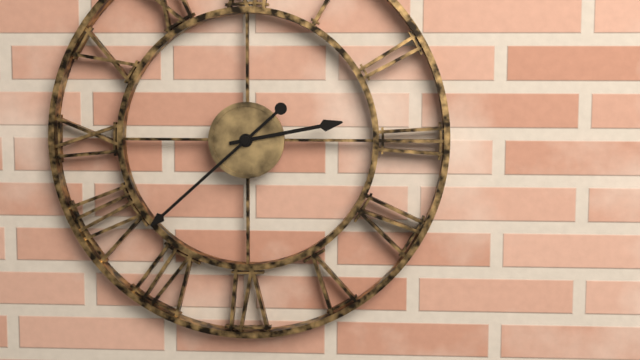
2:38
